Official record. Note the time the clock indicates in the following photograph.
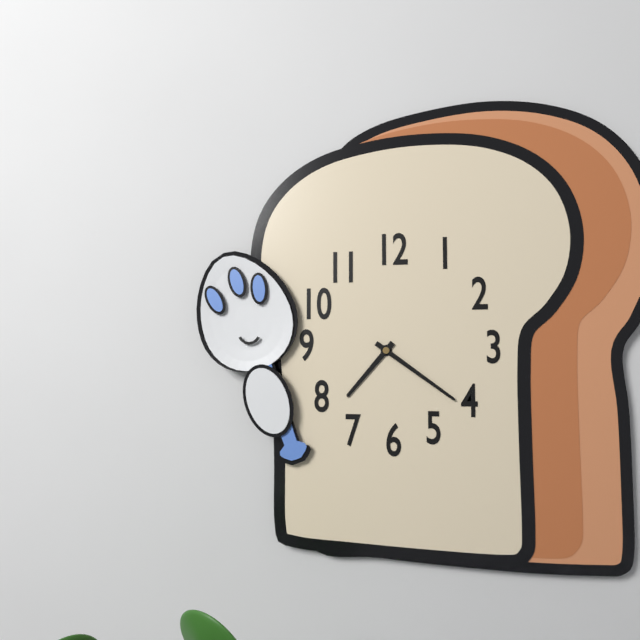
7:21
